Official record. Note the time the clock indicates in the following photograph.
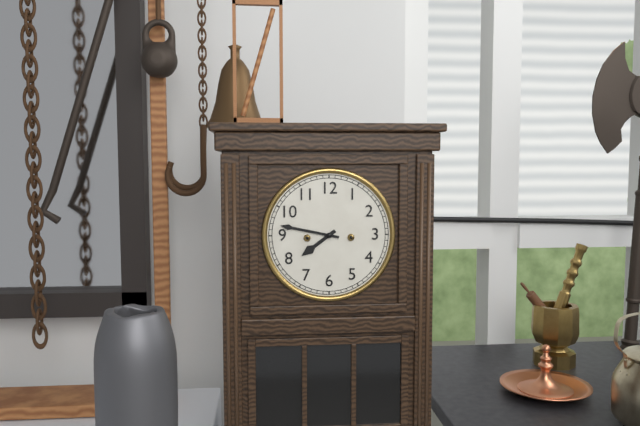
7:47
